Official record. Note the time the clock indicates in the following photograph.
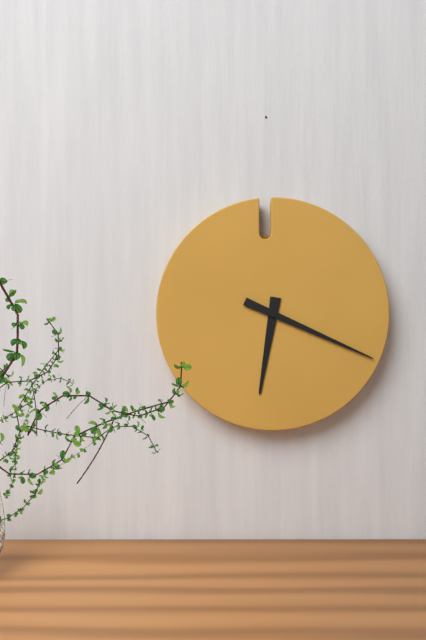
6:19
